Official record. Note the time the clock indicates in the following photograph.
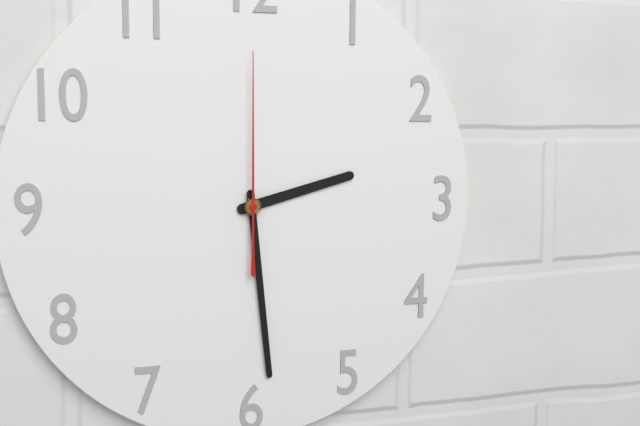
2:29:00
